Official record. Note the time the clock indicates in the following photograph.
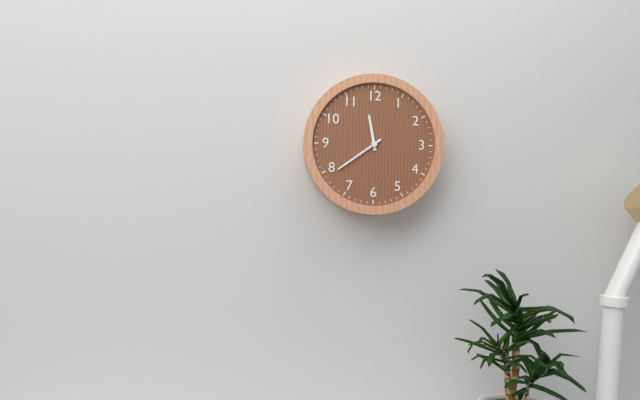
11:39
